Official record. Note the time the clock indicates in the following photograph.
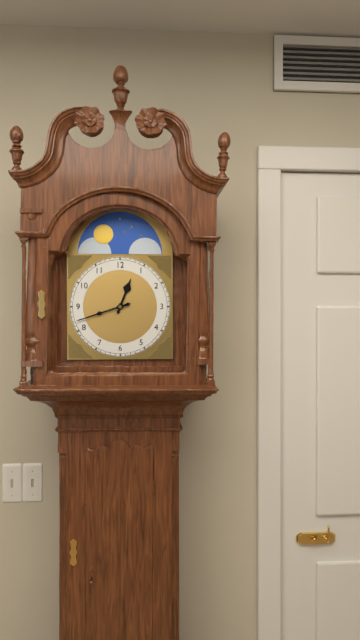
12:42
